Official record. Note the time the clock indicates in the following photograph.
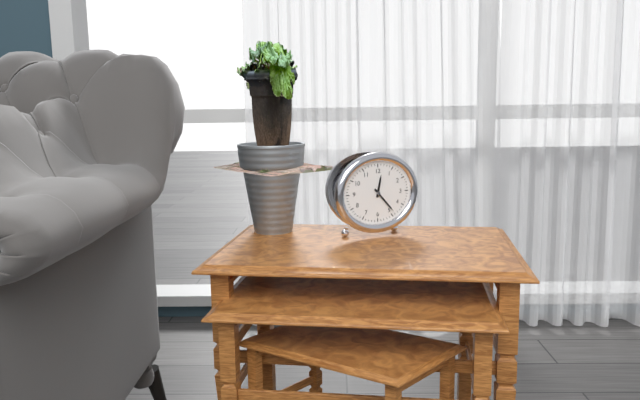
12:23
